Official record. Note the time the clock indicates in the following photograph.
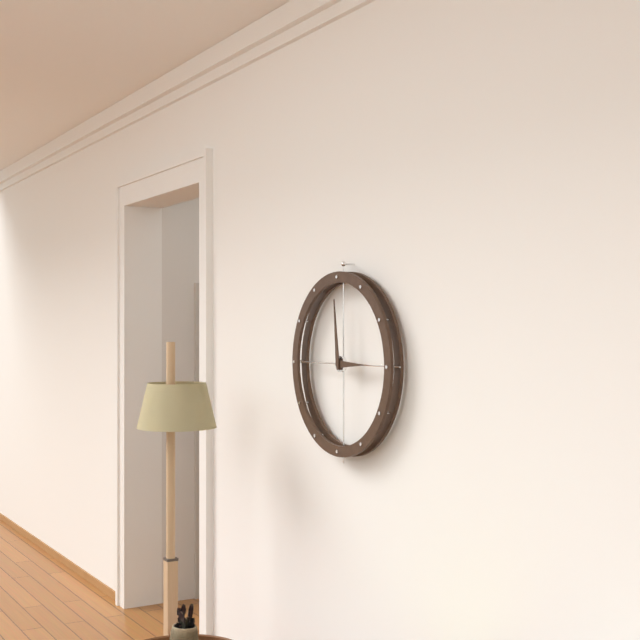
2:59
